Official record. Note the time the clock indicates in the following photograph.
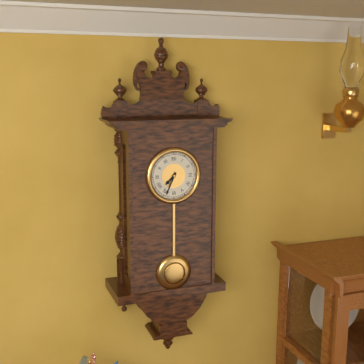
7:34
